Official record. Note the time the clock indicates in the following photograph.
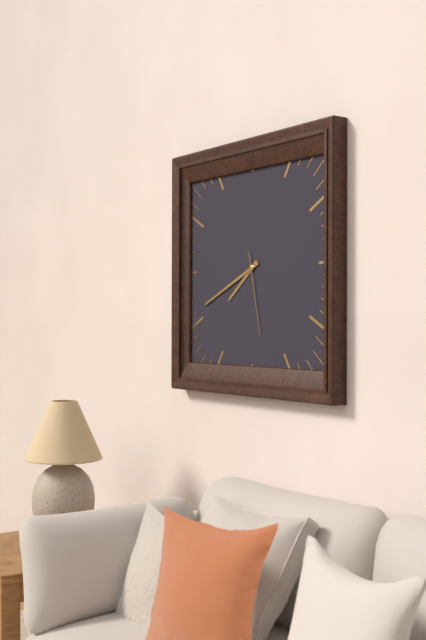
7:41:28
